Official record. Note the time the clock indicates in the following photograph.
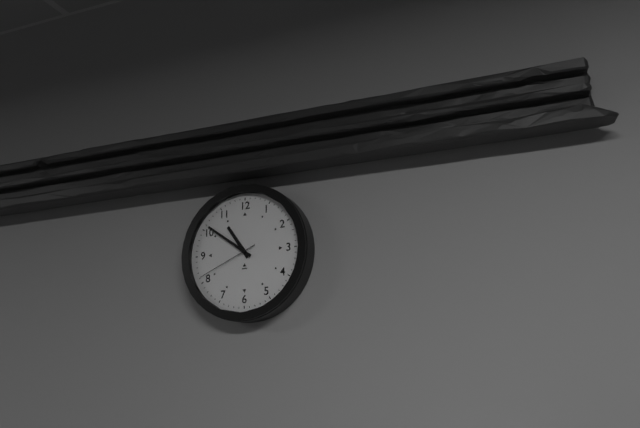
10:51:41
